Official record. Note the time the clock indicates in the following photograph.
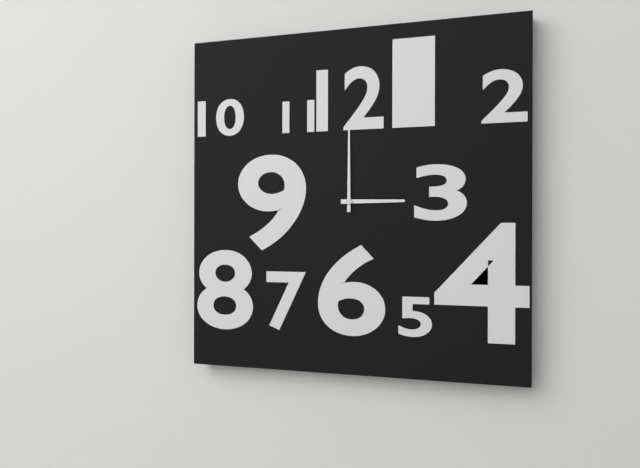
3:00
